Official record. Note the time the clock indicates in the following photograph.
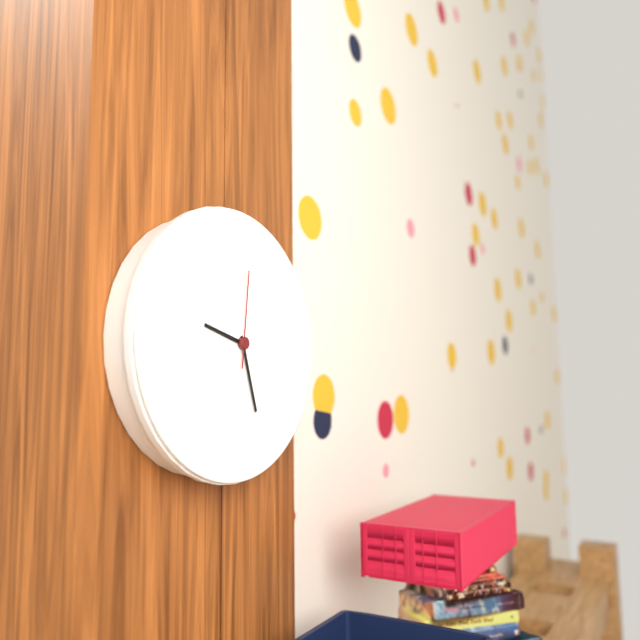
9:27:01
